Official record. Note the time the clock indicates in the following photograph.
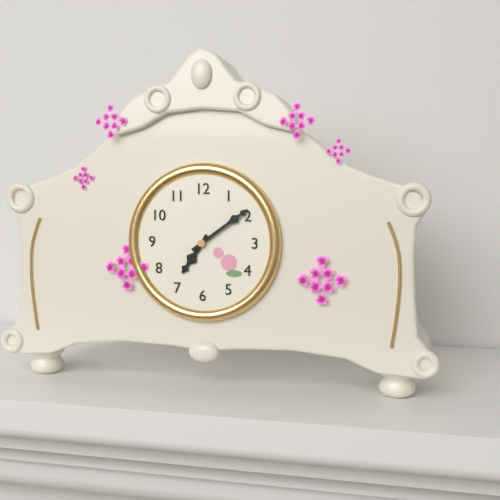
7:09
